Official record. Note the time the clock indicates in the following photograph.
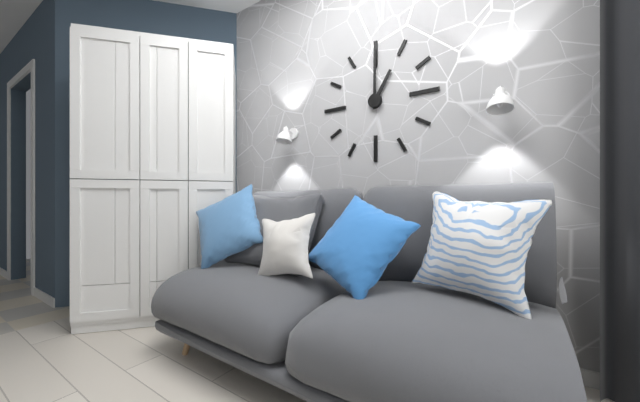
1:00
